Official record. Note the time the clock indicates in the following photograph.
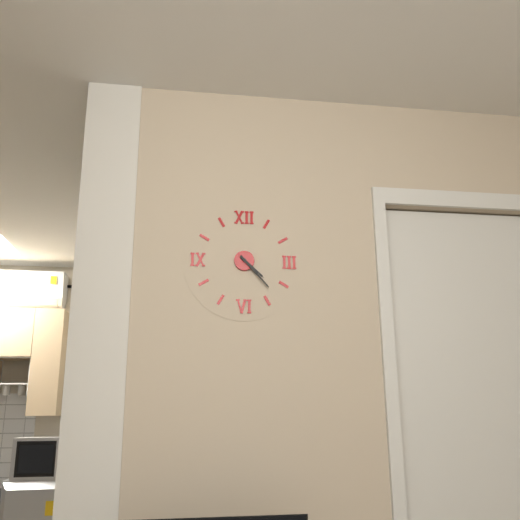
4:23
